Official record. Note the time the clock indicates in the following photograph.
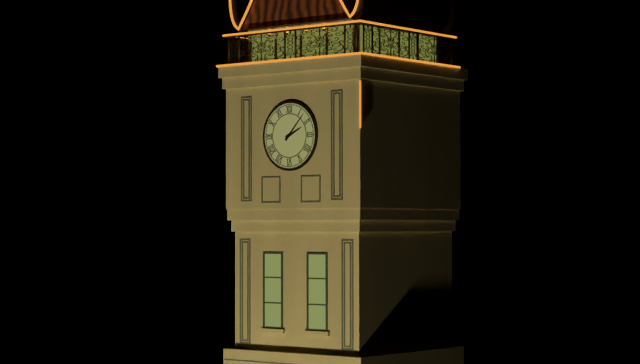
2:07
